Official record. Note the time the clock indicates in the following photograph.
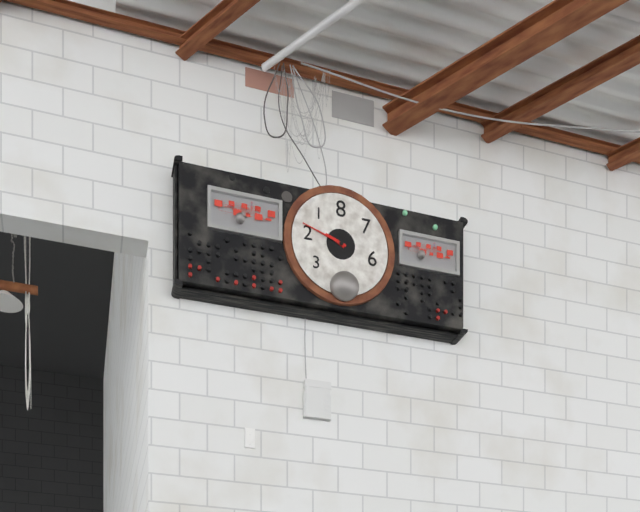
9:48
